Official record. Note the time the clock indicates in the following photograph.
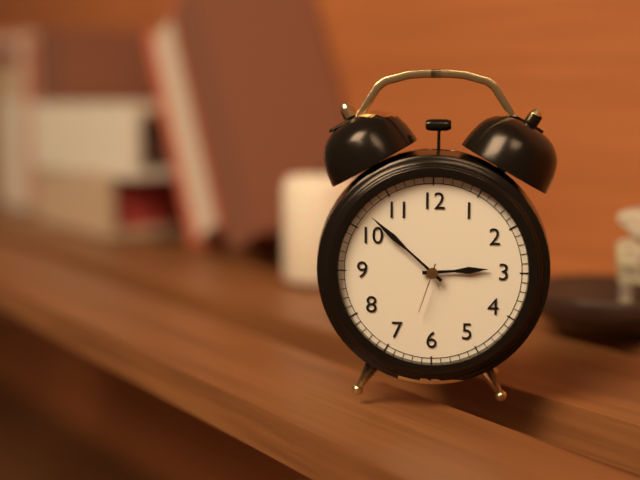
2:52:33
